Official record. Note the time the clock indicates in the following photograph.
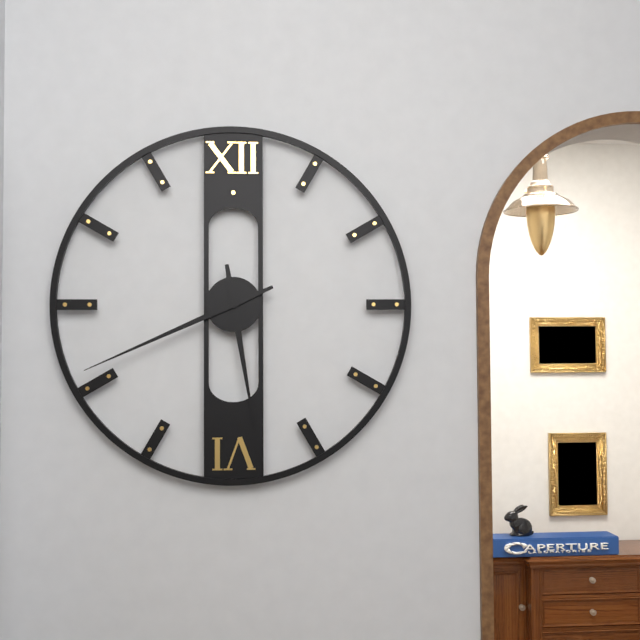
5:41
